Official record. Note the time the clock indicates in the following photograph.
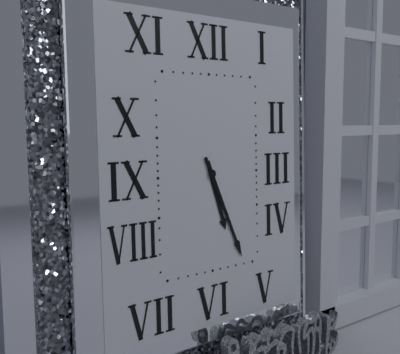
5:26
